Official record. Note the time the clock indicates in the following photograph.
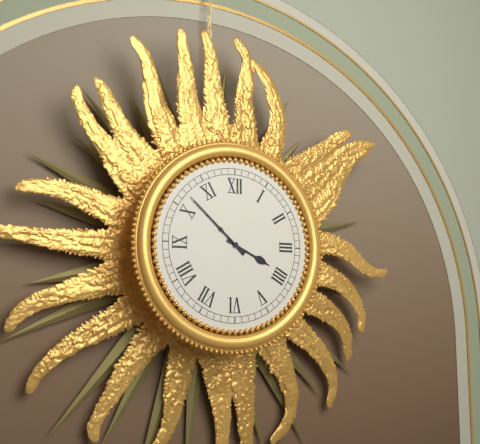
3:52
